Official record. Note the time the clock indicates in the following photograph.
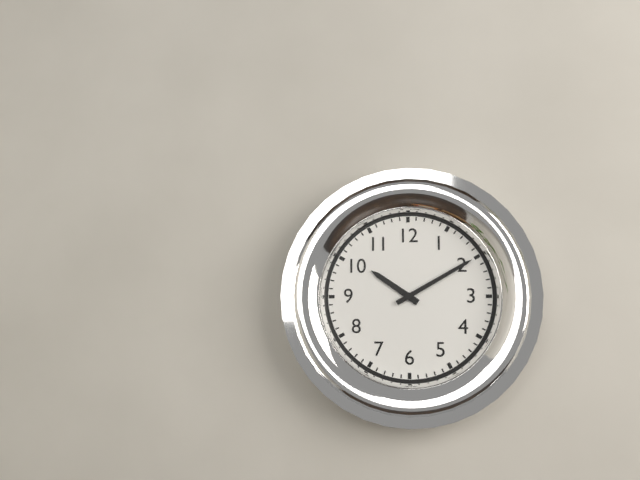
10:10
